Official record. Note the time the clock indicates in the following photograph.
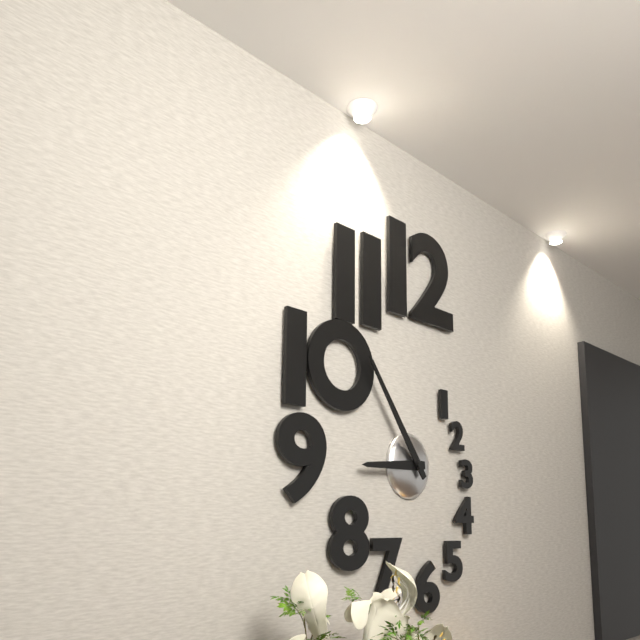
8:54
